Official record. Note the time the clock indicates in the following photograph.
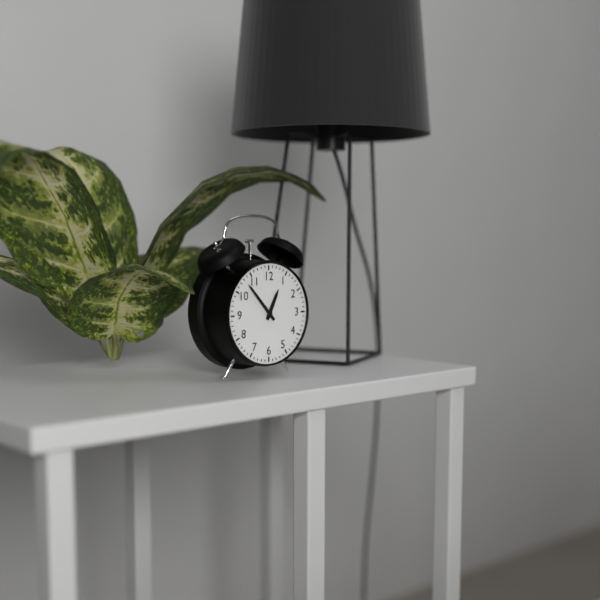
12:53
